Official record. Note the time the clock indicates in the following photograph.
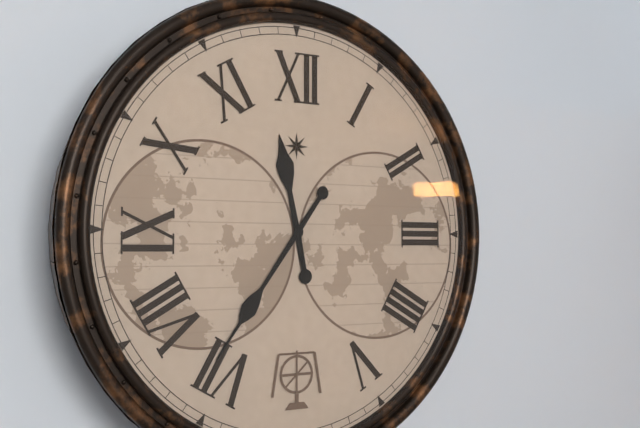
11:36
